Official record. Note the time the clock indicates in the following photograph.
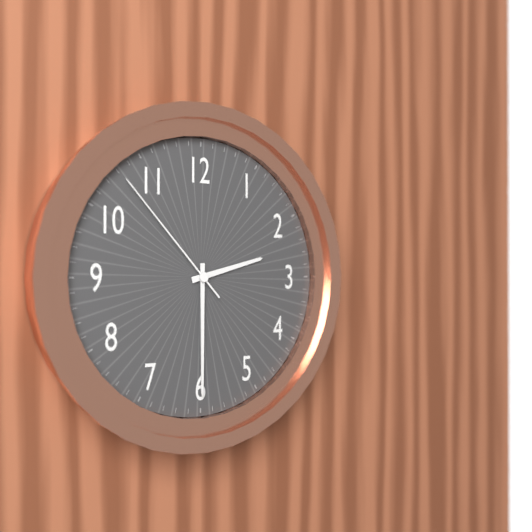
2:30:53
